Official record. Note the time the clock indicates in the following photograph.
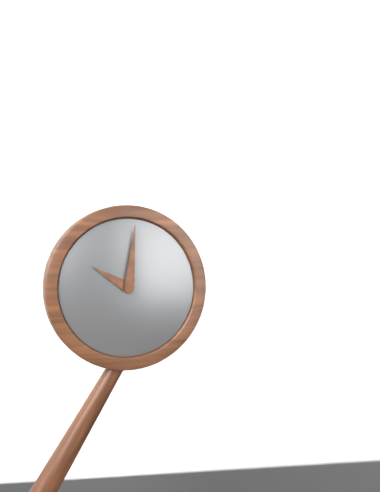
10:01
